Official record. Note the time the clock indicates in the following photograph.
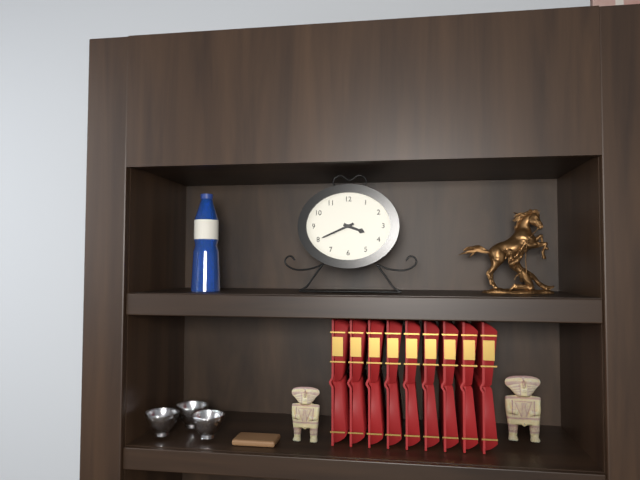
3:41
